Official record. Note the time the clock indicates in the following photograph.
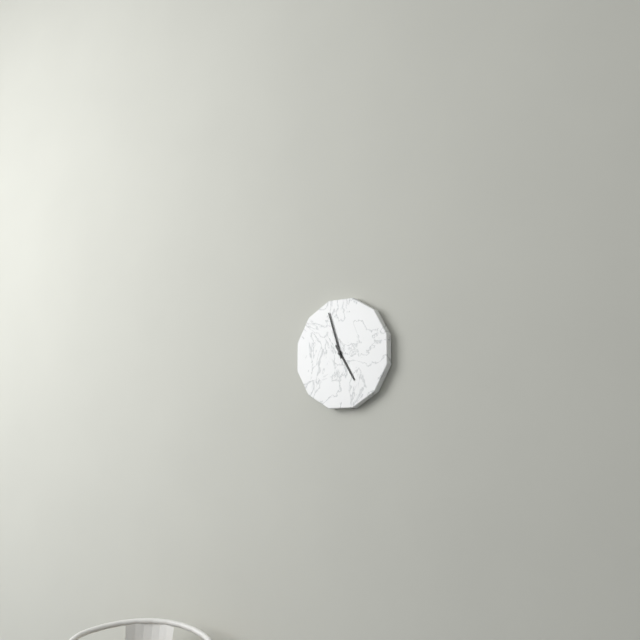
4:57
